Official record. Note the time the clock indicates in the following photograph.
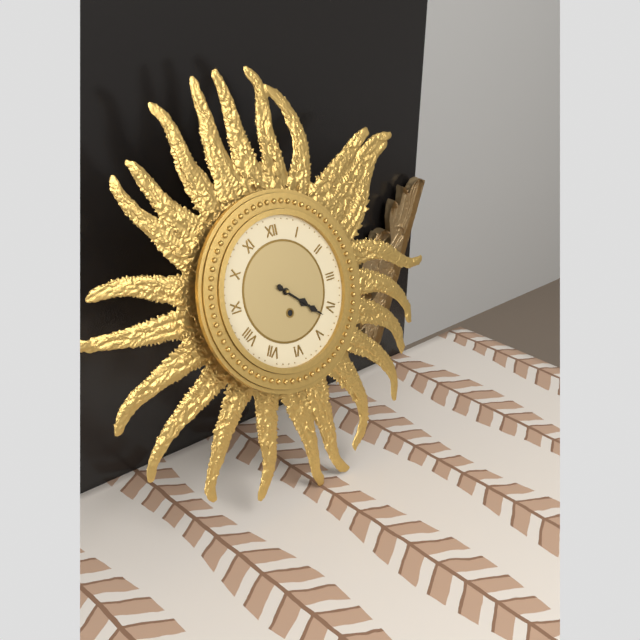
4:22
